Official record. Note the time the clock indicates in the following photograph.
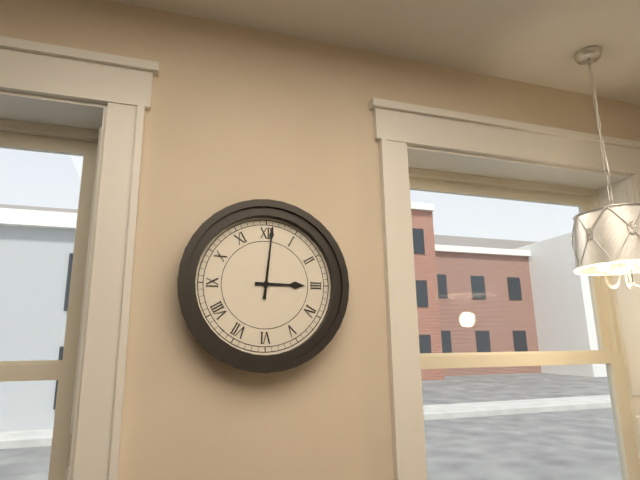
3:01
